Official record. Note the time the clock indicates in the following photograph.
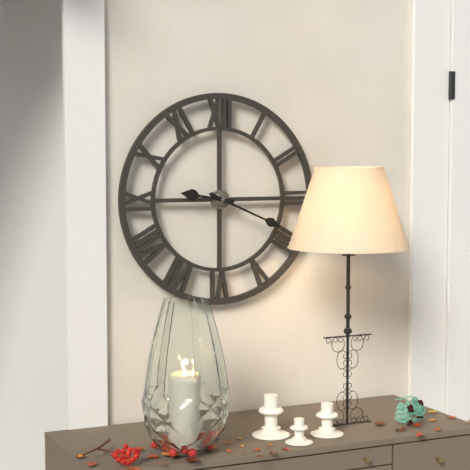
9:19
